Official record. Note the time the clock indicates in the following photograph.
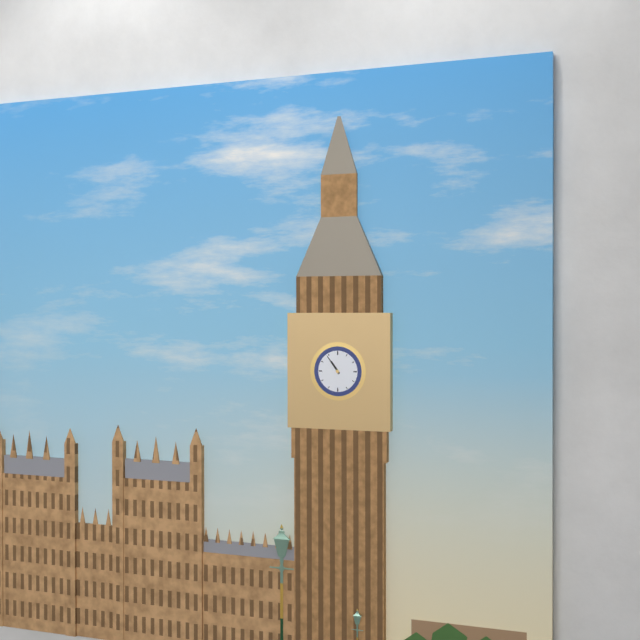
10:54
